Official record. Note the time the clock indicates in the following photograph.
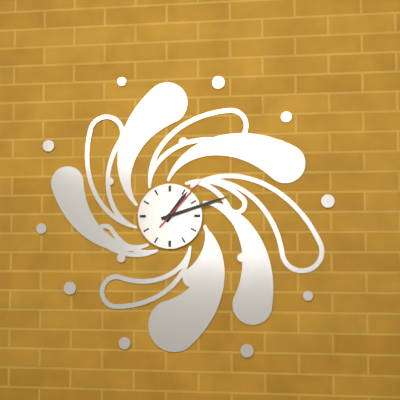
1:12:07
